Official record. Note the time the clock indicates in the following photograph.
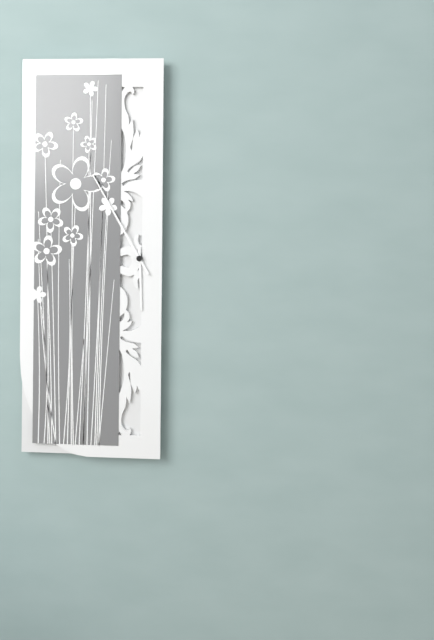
5:55
